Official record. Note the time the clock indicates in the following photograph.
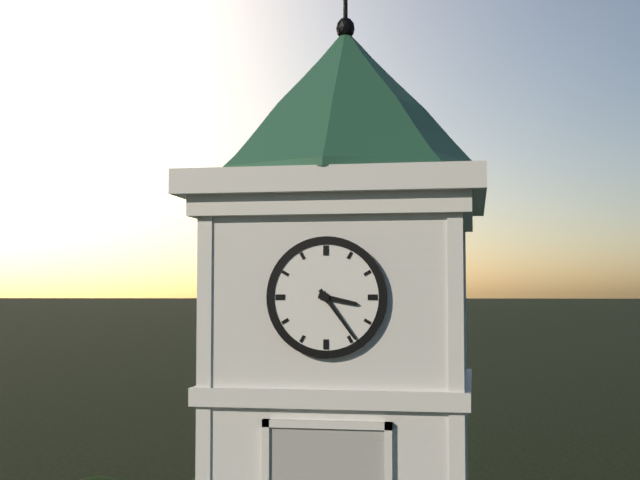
3:24
